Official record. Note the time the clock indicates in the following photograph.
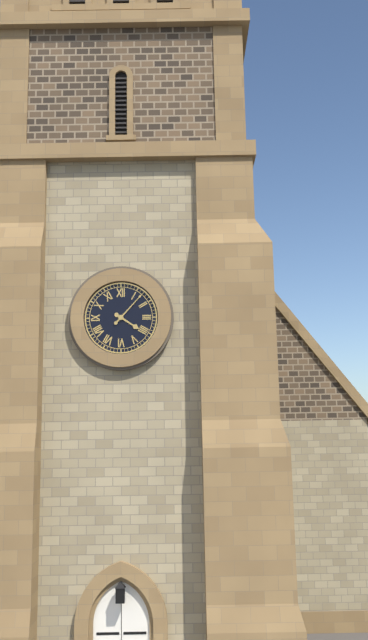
4:07
